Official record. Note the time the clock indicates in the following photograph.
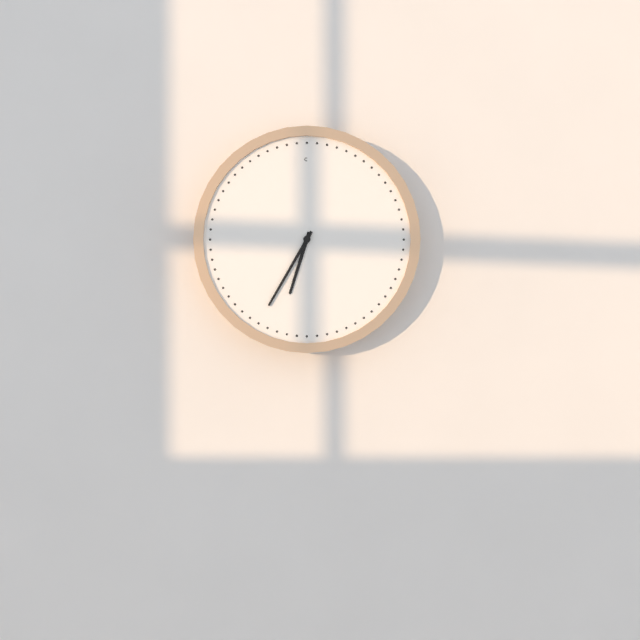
6:35
